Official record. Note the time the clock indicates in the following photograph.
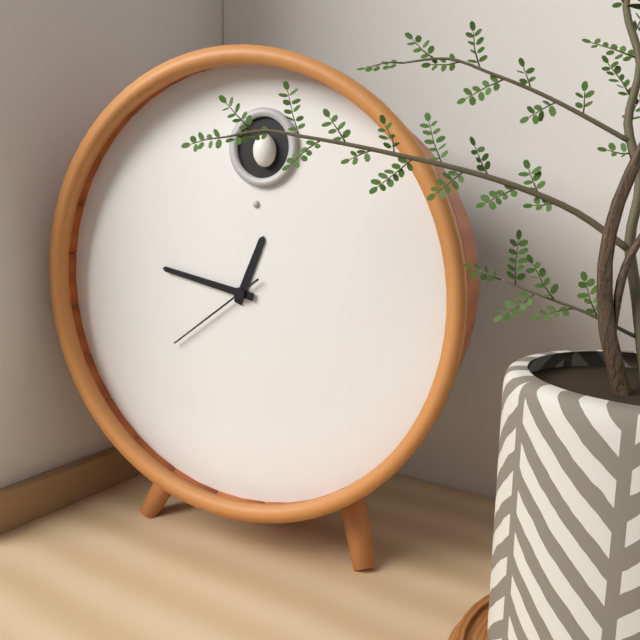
12:47:39
